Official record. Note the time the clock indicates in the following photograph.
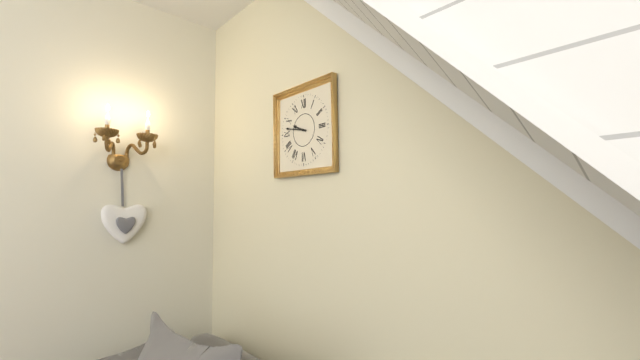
9:47
